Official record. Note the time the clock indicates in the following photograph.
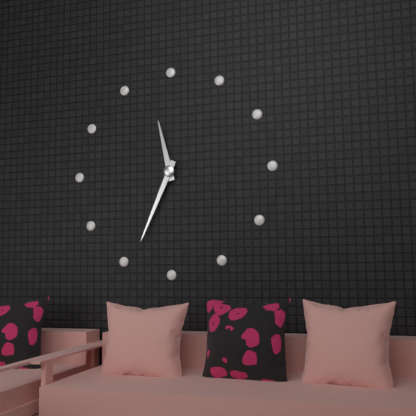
11:34
